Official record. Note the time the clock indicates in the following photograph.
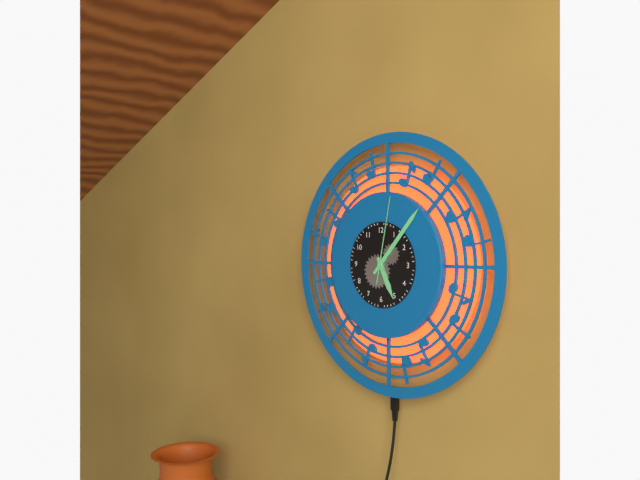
5:07:02
